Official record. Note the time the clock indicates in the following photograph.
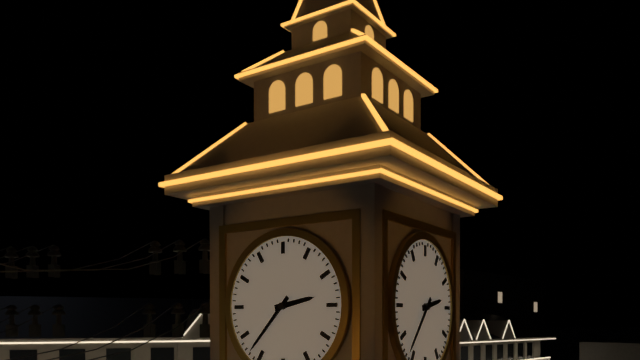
2:37
